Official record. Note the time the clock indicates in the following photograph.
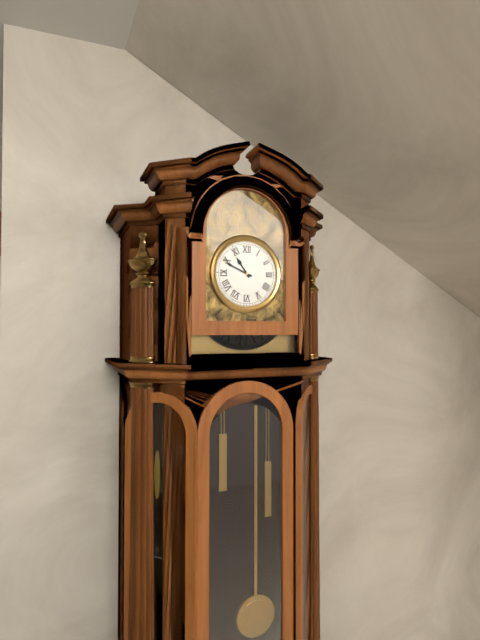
10:49
